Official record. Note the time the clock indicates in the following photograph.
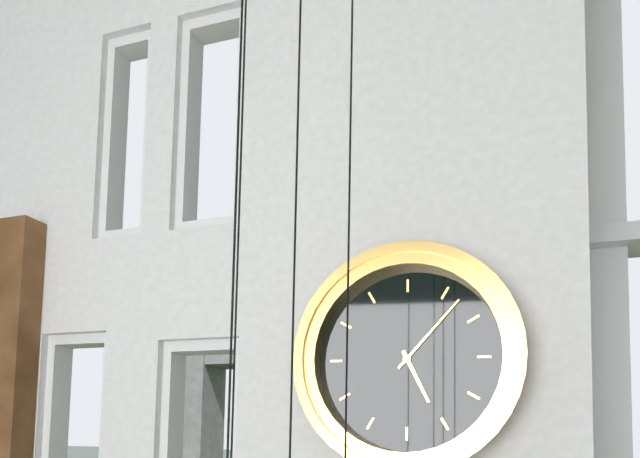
5:07
